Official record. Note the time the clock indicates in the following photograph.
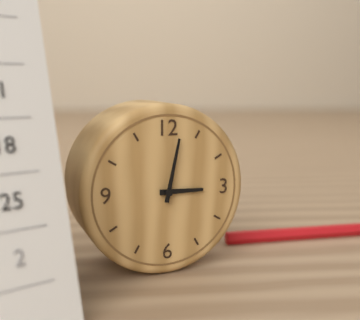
3:02
